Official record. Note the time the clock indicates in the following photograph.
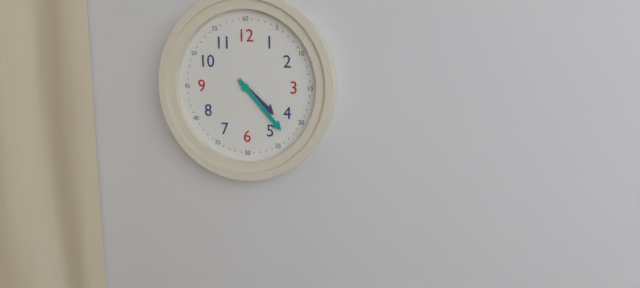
4:23
